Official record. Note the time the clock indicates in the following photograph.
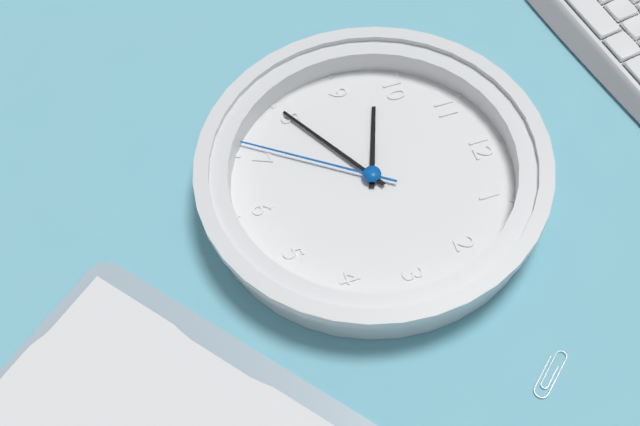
9:40:36
